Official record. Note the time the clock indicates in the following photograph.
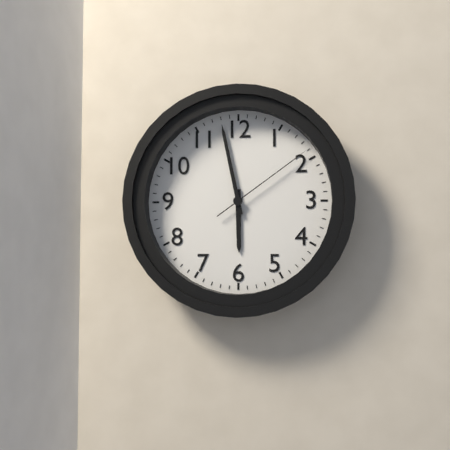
5:58:09
